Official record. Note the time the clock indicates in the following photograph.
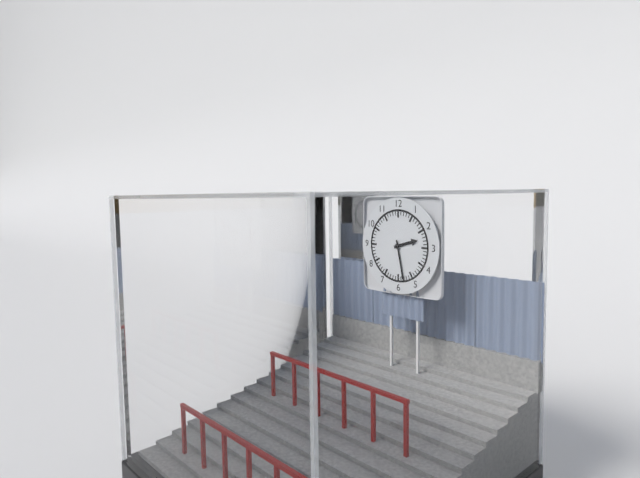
2:28
